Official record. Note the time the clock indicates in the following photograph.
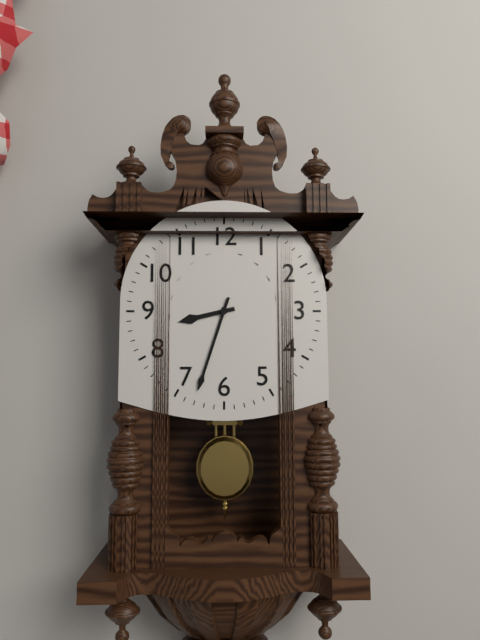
8:33
